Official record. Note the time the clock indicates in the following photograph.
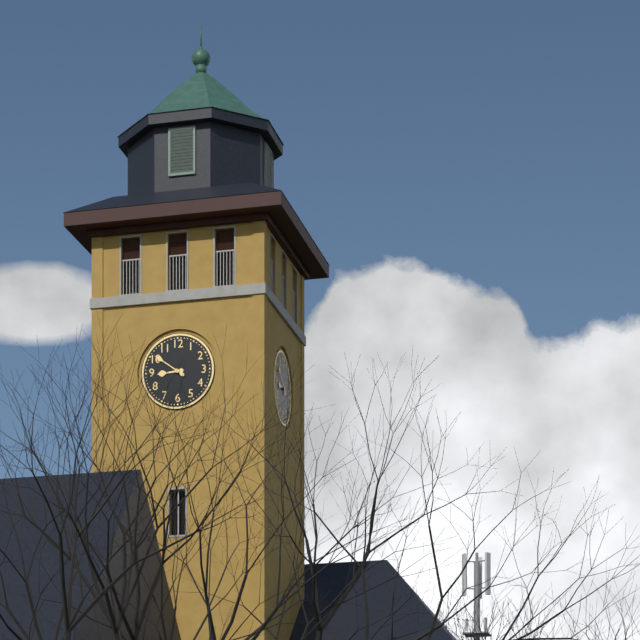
8:51
